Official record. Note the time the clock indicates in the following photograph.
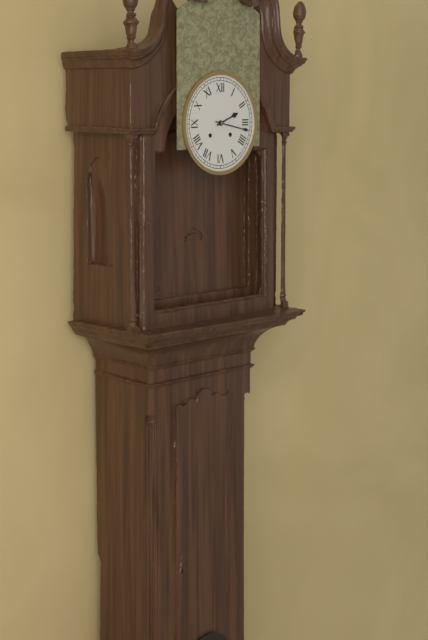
2:17
